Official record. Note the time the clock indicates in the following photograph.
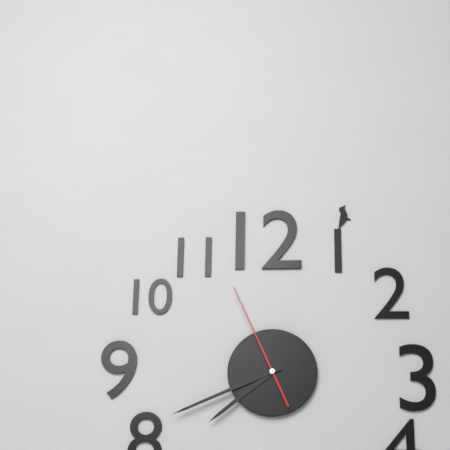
7:41:56
